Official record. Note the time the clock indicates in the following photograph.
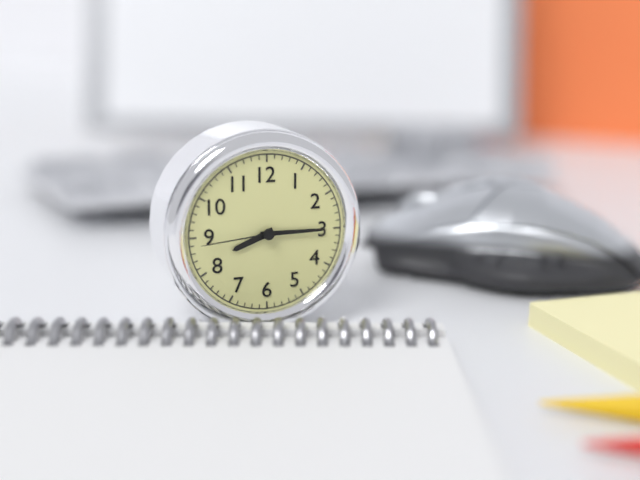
8:15:44
